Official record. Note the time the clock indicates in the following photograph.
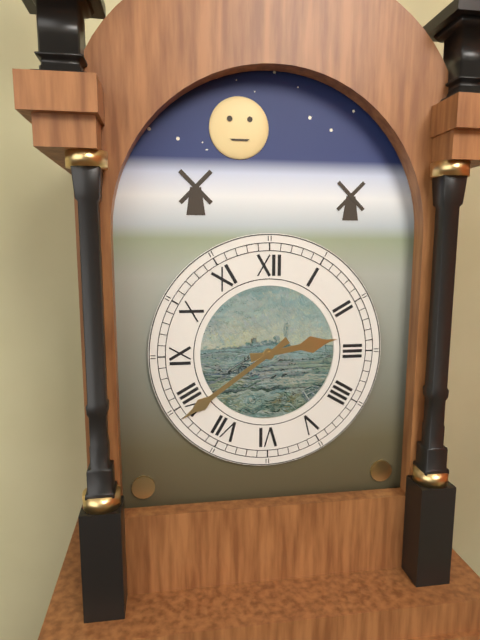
2:39
